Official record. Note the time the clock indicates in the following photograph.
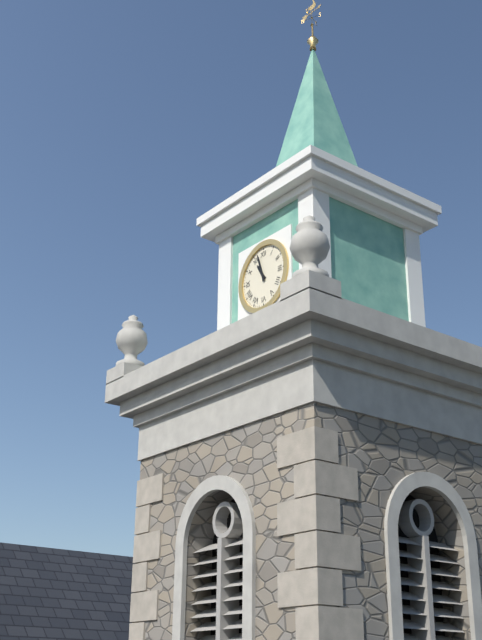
10:57
